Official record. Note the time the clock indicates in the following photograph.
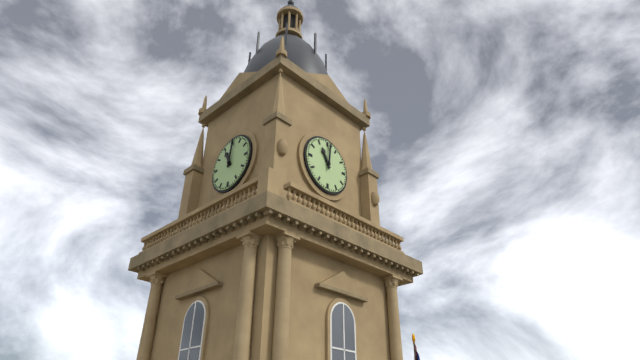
11:01
